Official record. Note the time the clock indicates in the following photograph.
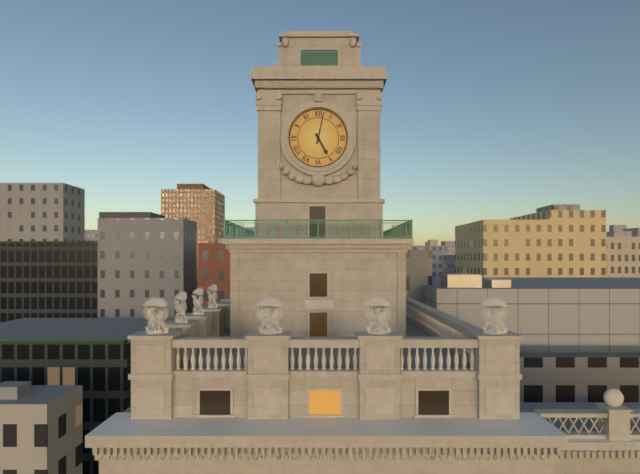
5:02
